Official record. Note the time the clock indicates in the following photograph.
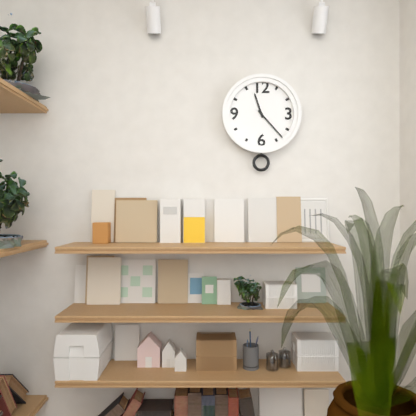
11:23
